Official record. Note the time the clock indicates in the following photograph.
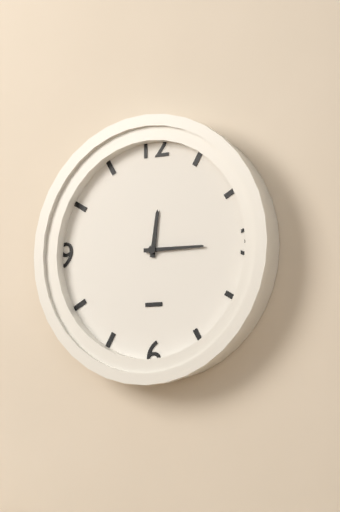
12:15
